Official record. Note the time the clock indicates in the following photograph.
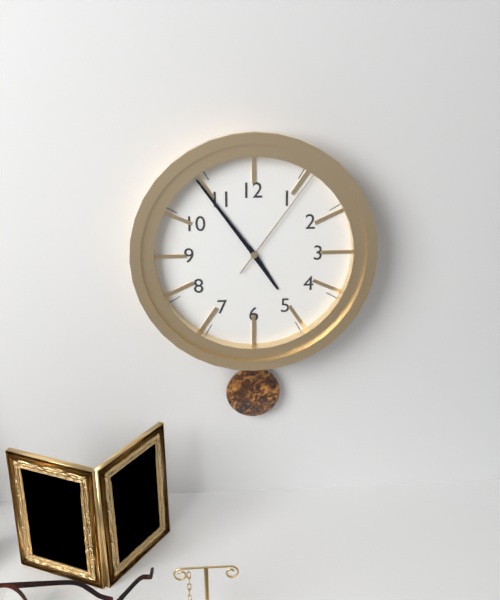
4:54:06
